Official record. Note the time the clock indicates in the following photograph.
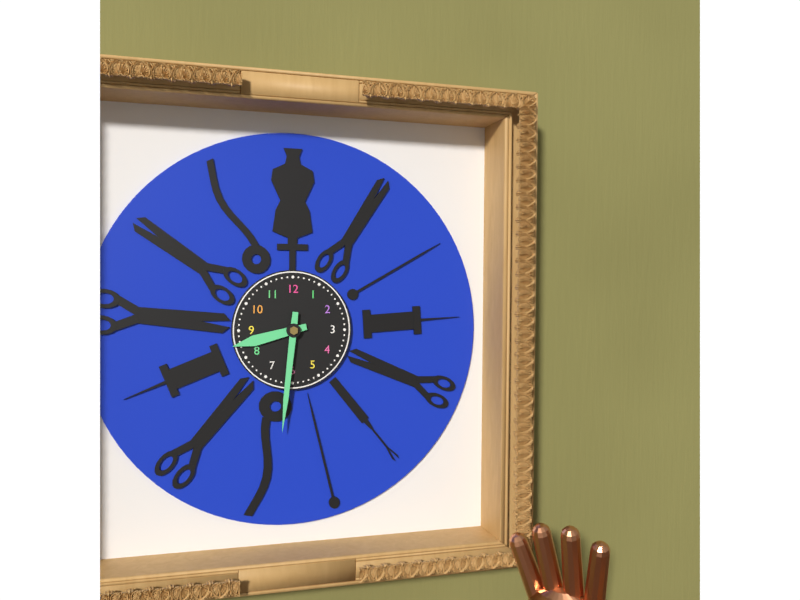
8:31
